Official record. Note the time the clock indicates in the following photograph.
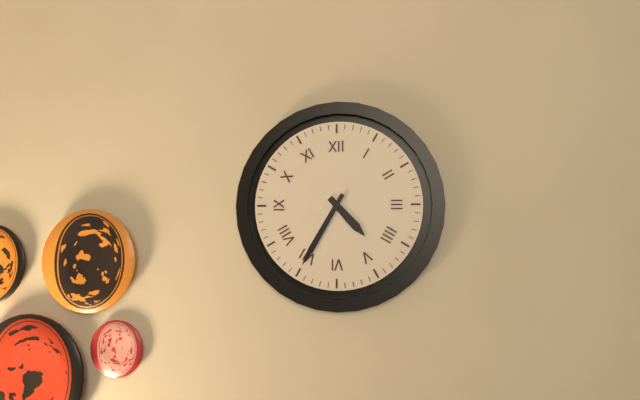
4:35
